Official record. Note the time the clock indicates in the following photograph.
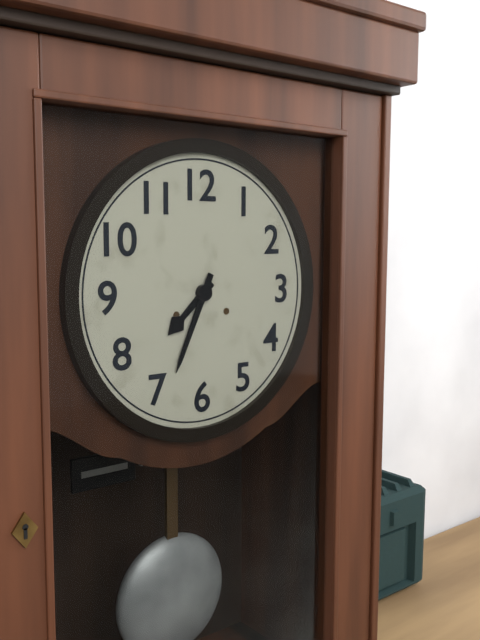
7:34
